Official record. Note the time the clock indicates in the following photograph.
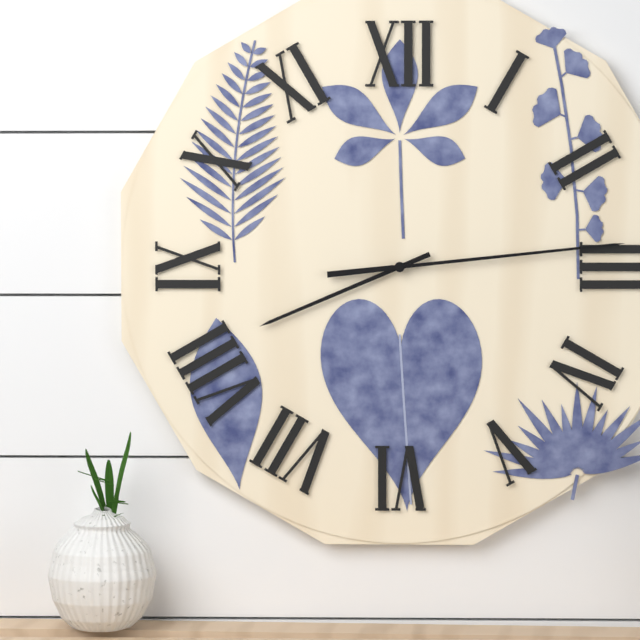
8:14
